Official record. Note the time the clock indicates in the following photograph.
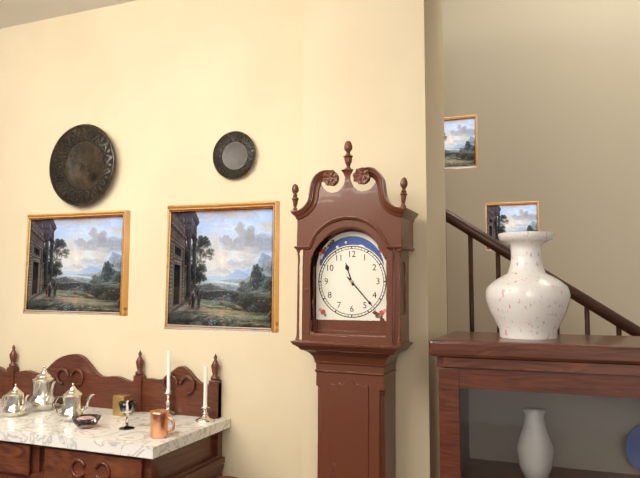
11:23
